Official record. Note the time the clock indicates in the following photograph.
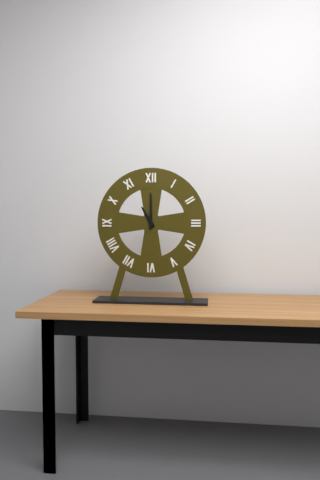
11:00
